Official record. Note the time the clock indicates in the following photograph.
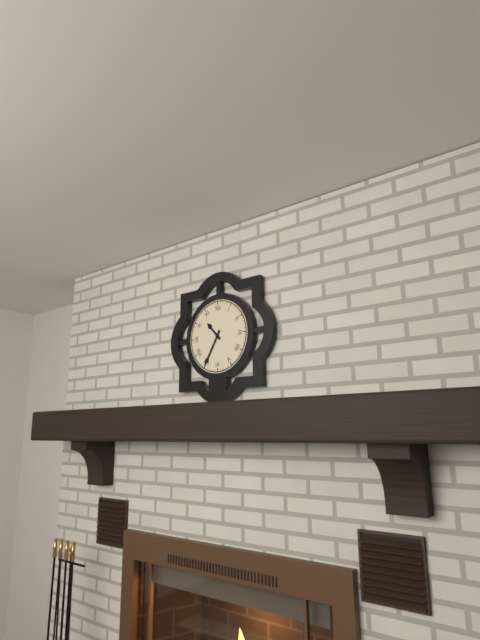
10:35
